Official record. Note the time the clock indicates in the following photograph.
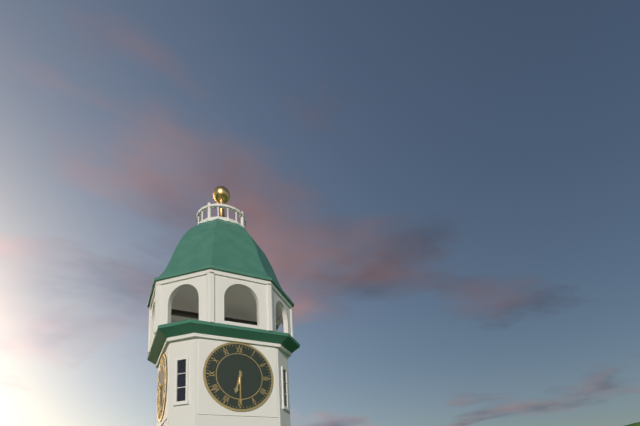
6:30
